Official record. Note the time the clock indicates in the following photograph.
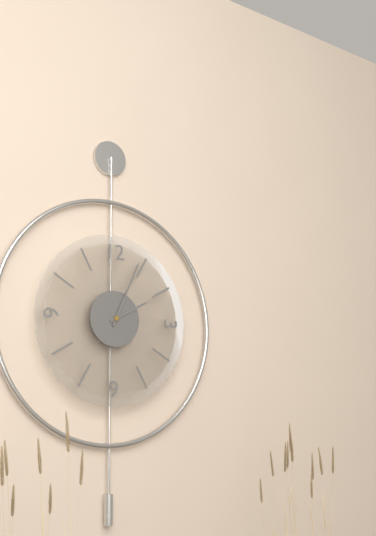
2:04
